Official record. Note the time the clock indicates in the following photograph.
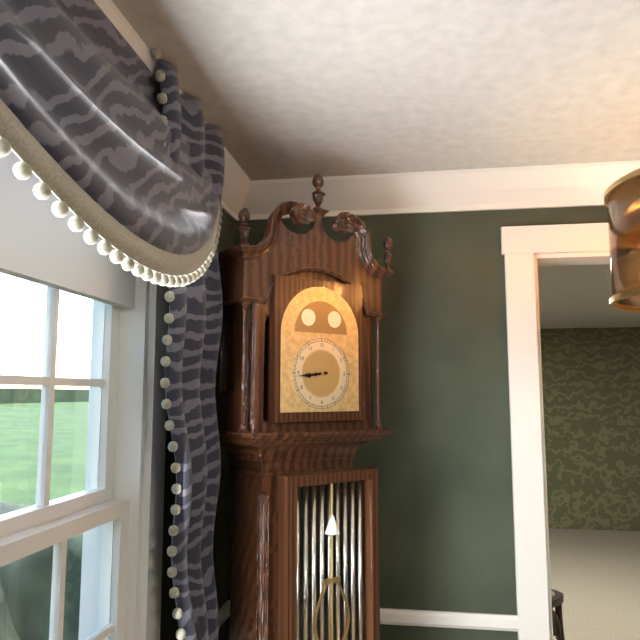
8:44
